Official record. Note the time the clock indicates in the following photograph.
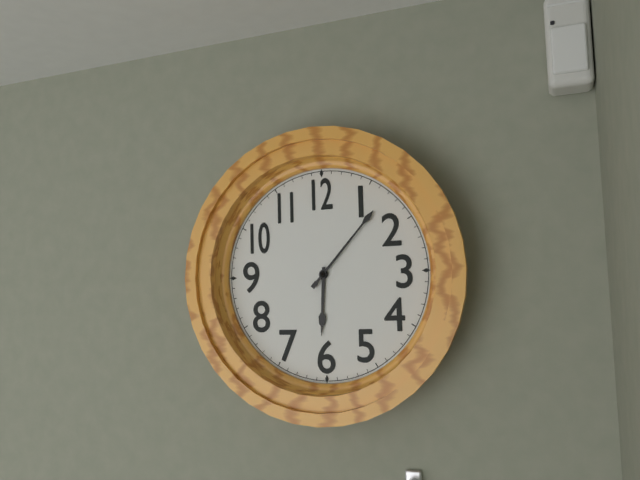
6:07
